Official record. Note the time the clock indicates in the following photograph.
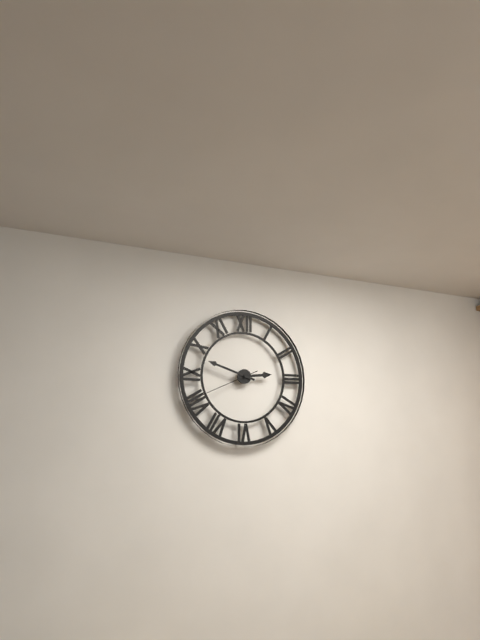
2:48:41
